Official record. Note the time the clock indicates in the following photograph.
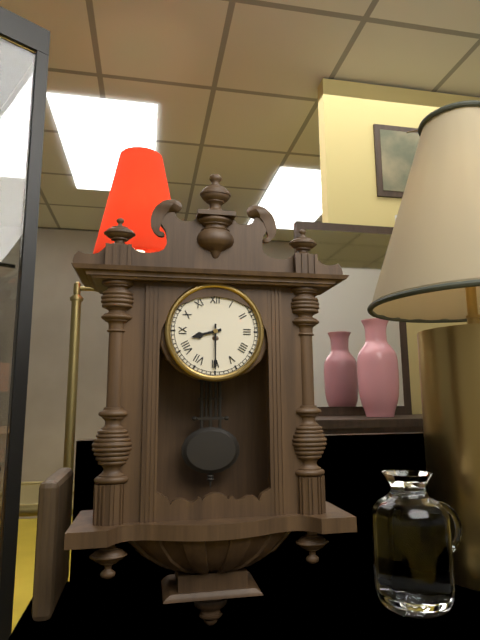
8:30
